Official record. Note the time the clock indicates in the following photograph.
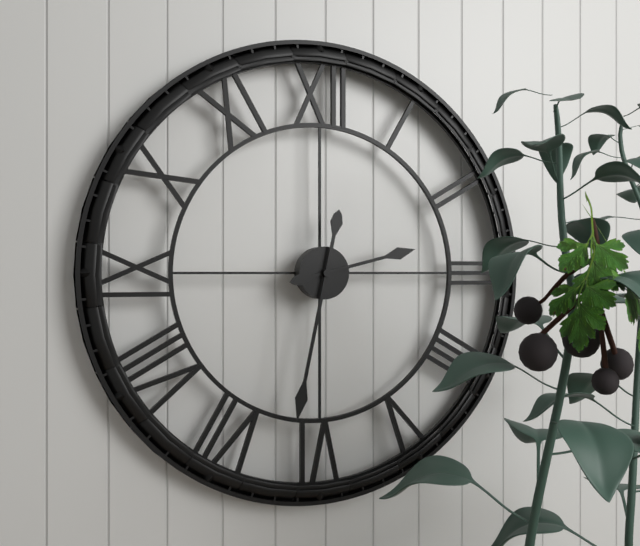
2:32
